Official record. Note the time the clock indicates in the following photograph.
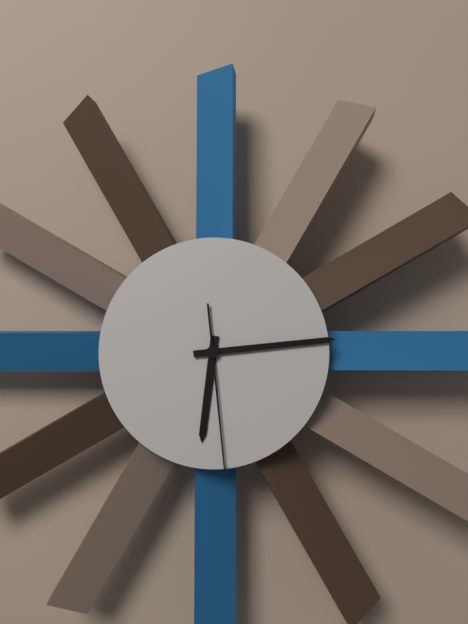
6:14:29
